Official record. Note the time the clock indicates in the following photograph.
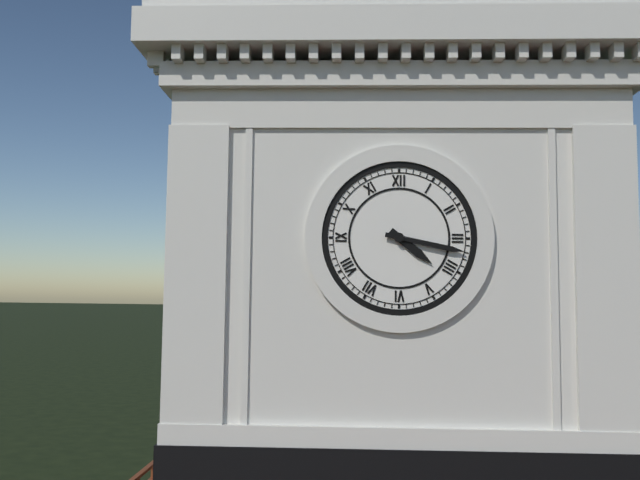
4:17
